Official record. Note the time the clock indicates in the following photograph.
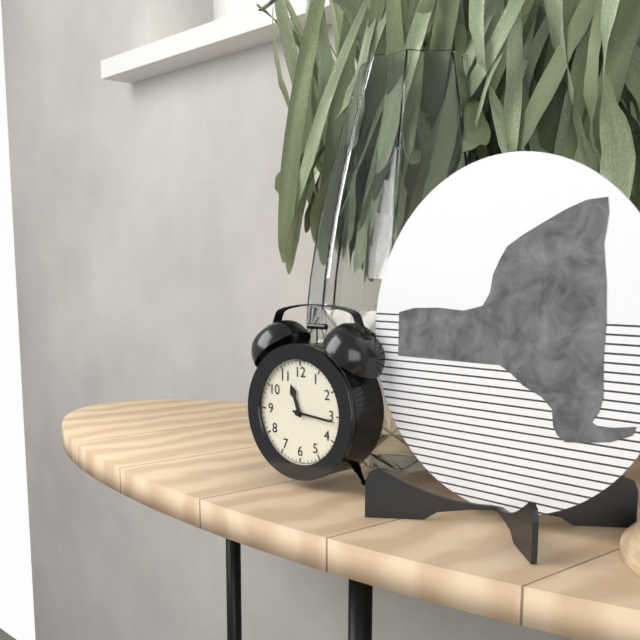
11:16
